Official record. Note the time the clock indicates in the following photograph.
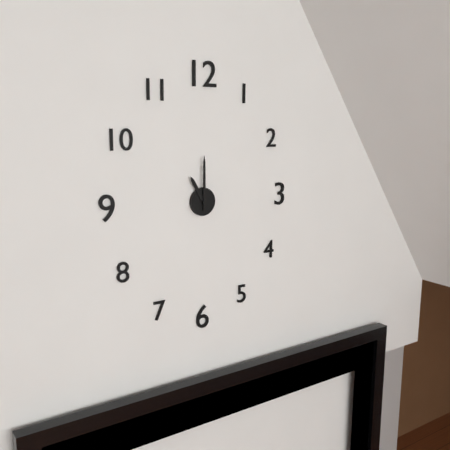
11:00
